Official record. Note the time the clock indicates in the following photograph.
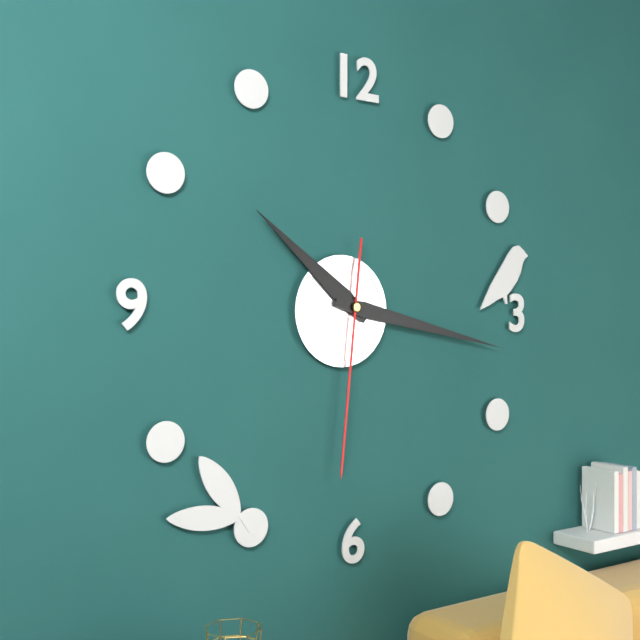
10:17:31
